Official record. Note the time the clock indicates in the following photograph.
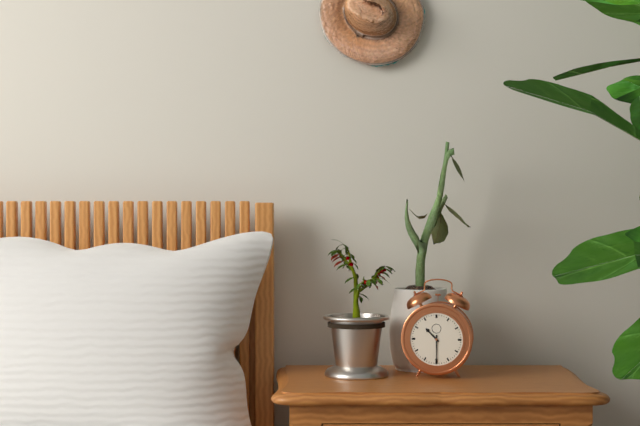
10:30
